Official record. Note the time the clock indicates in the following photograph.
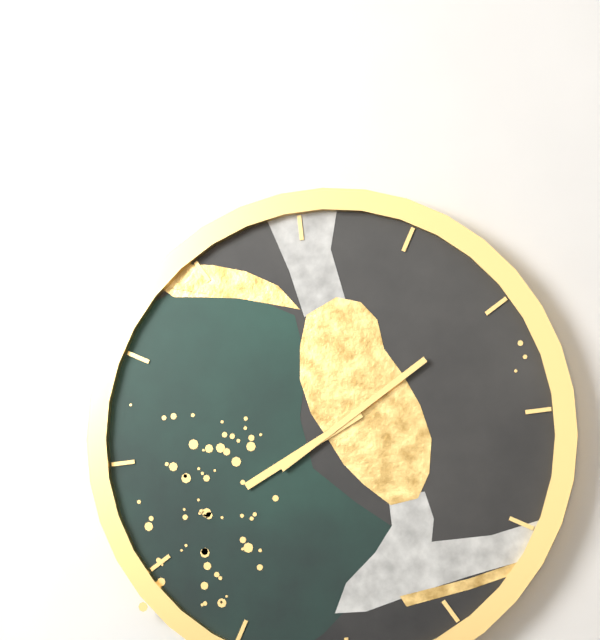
8:10
